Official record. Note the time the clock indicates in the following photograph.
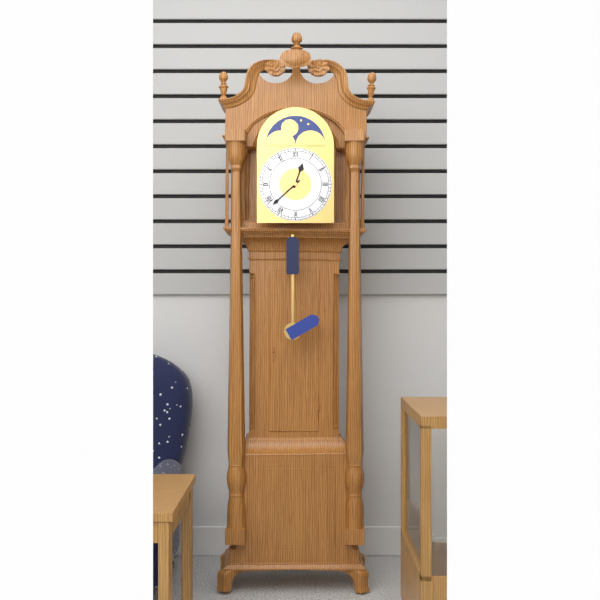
12:38
